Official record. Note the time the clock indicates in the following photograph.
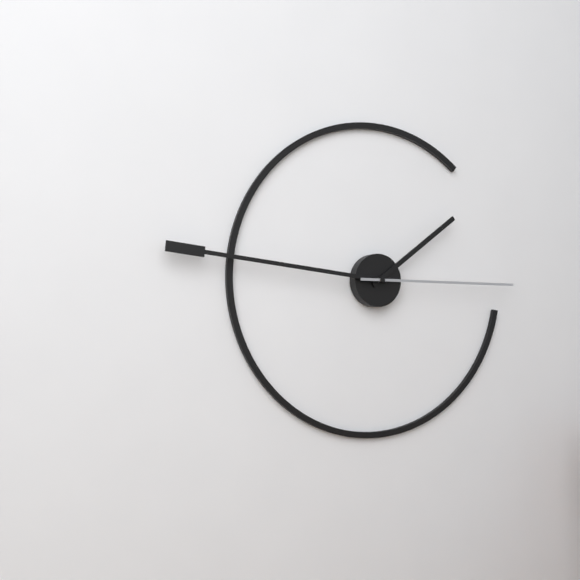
1:46:15
